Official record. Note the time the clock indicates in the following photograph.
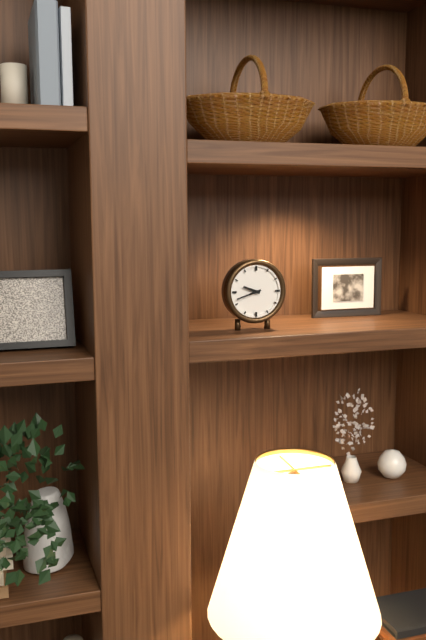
9:42
